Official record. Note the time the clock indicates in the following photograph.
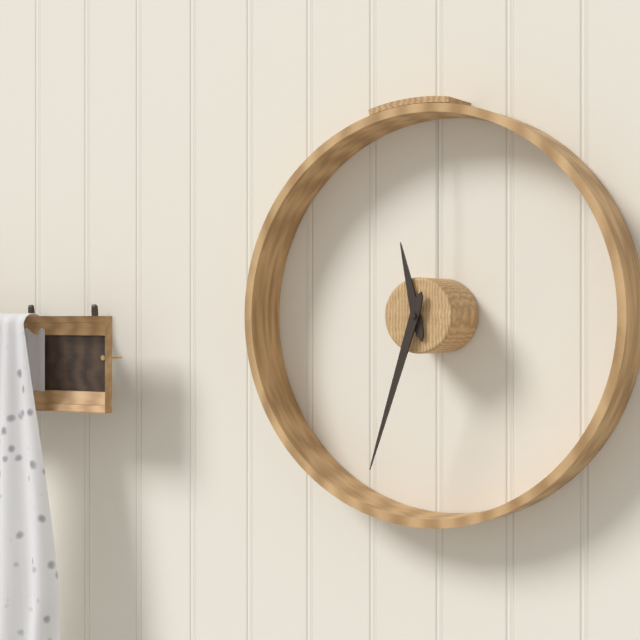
11:33
